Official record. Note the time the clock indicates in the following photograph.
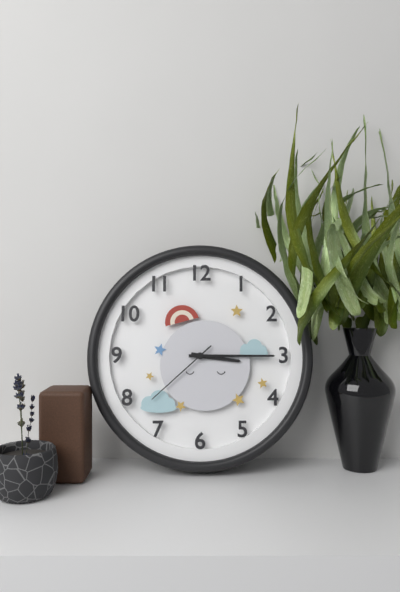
3:15:38
